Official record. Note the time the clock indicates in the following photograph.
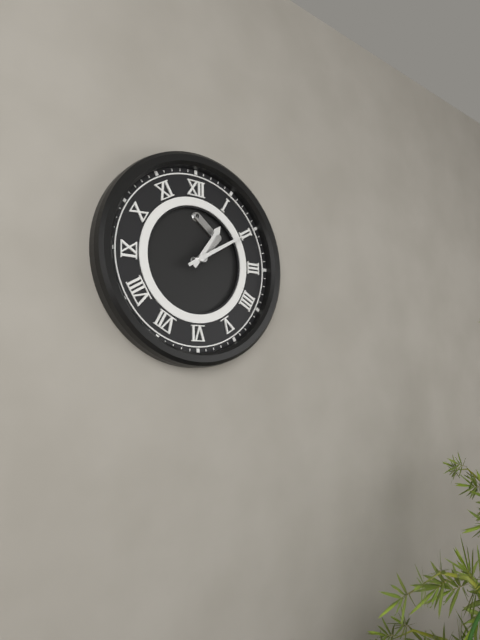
1:10
